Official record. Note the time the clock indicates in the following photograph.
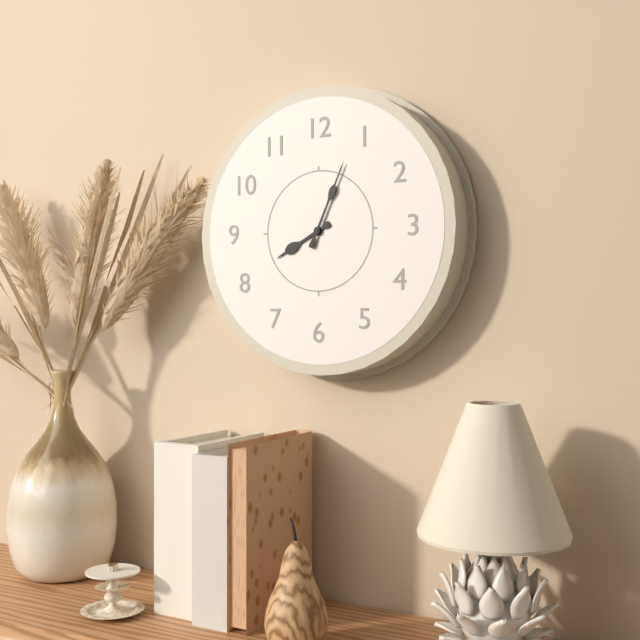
8:04
